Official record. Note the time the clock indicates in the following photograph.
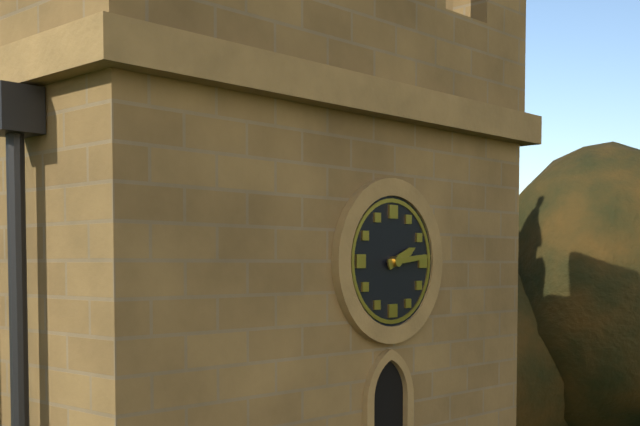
2:14
